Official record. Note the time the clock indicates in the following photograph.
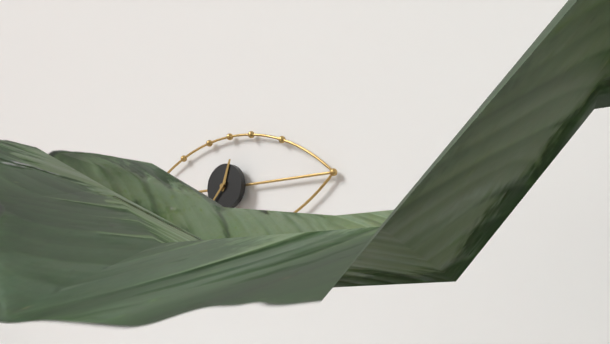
12:37
